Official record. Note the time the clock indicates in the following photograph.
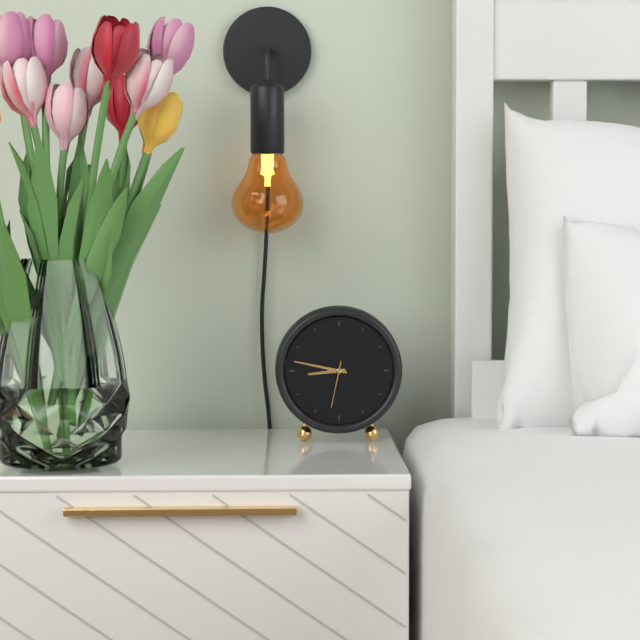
8:47
